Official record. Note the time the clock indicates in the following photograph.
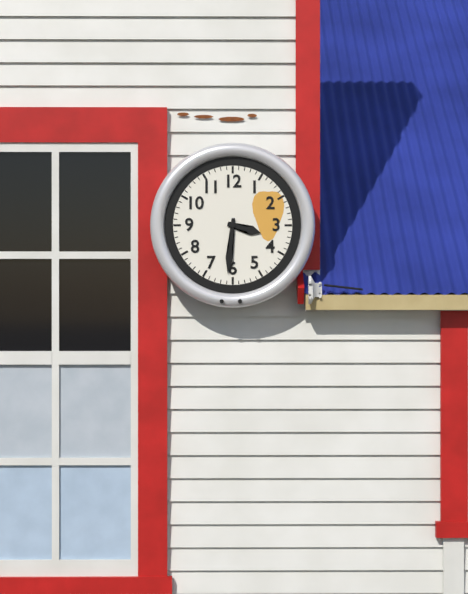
3:31
